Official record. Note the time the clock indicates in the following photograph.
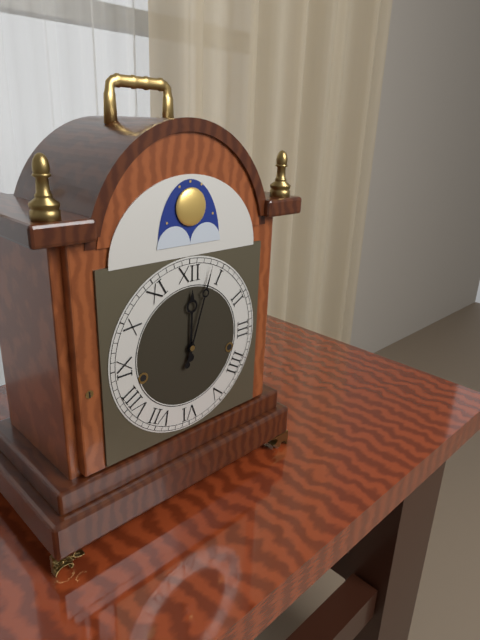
12:03
